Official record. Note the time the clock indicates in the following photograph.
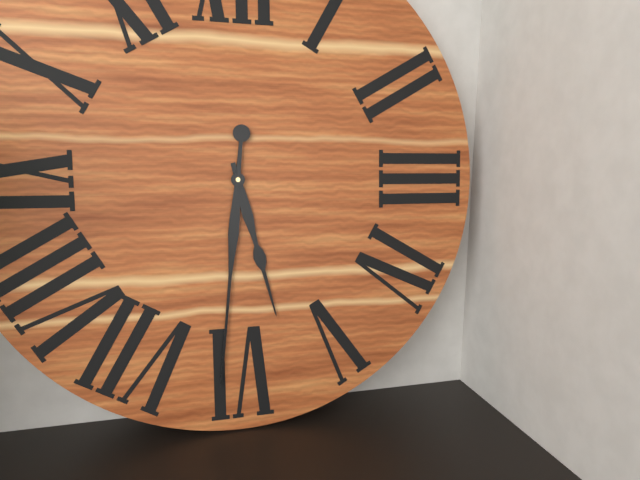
5:31
